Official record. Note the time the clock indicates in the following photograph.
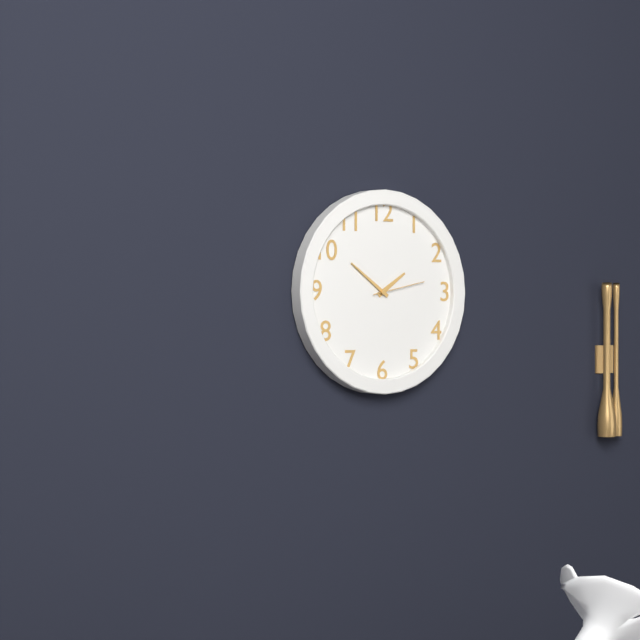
1:51:13
